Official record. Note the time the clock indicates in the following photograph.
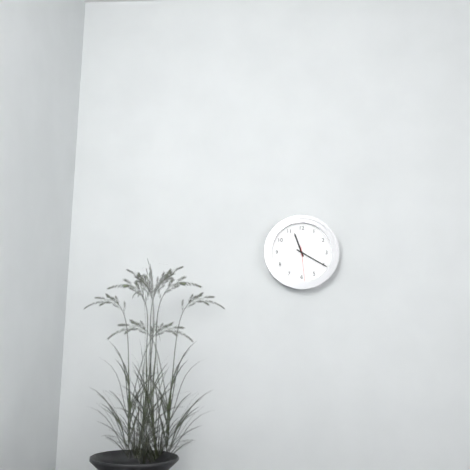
11:20
